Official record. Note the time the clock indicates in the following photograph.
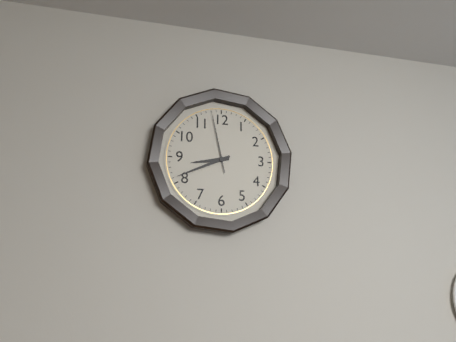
8:41:58
